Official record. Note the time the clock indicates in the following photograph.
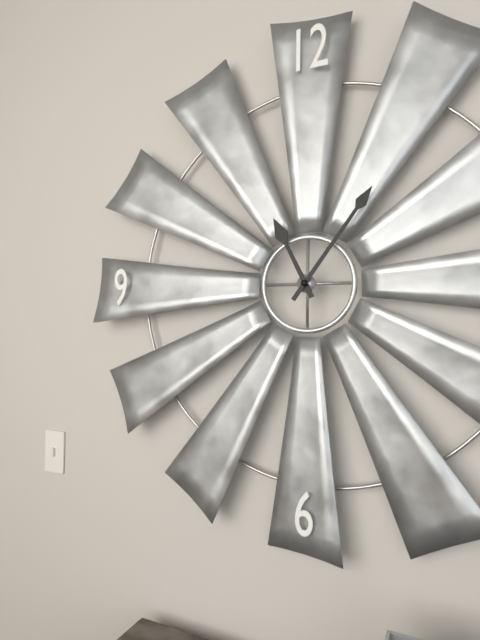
11:06
